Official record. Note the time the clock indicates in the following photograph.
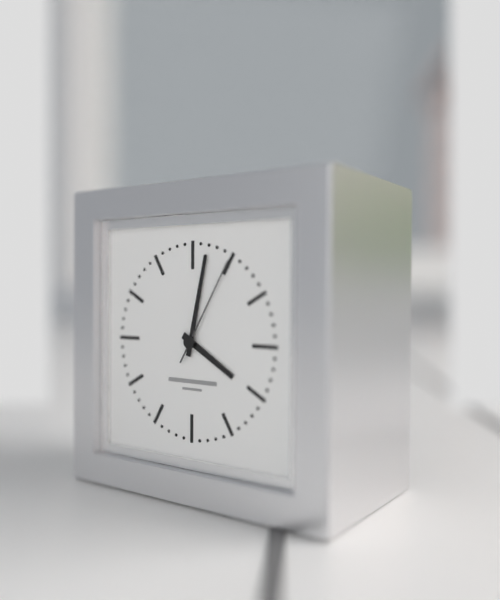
4:02:05
